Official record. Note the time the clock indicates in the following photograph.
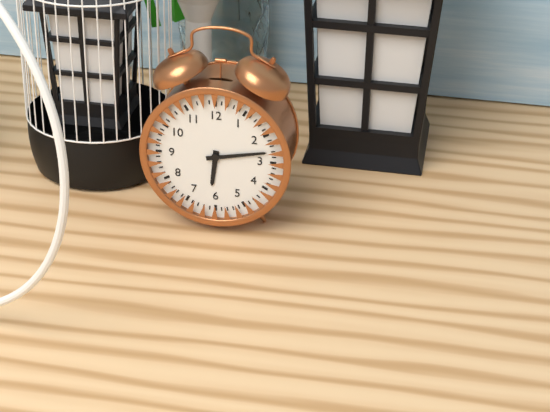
6:13
